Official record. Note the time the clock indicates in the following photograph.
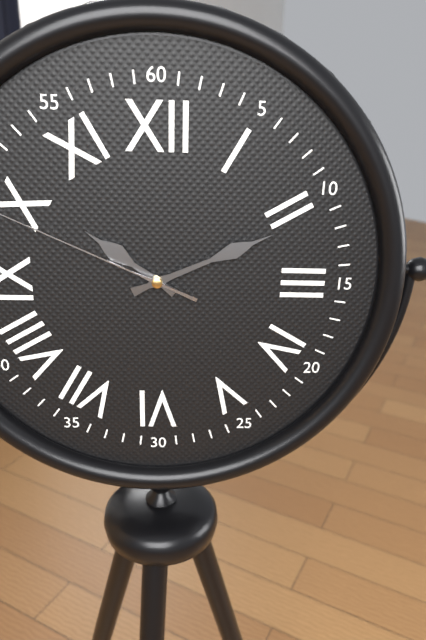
10:11
